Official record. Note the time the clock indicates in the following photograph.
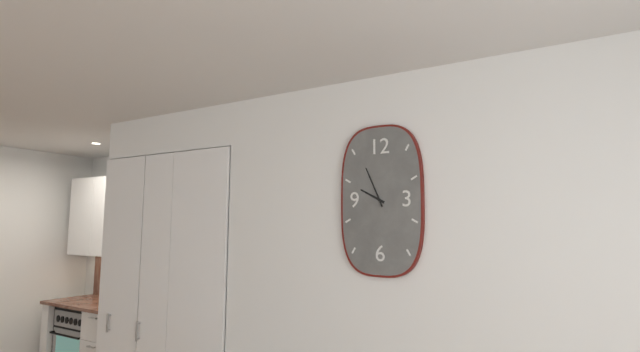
9:56
